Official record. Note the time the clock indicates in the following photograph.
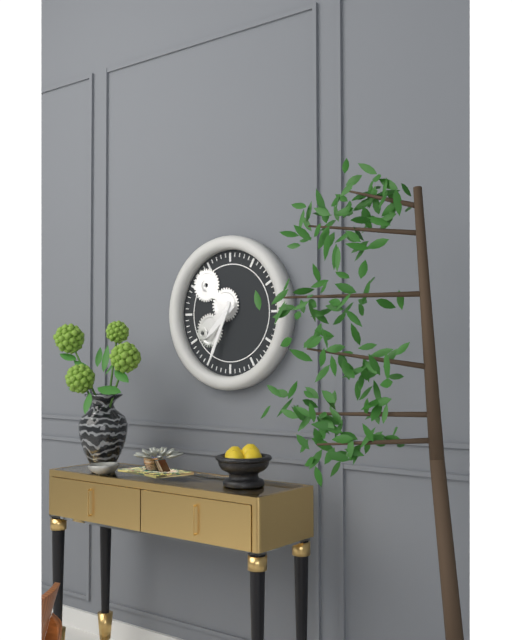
7:34
